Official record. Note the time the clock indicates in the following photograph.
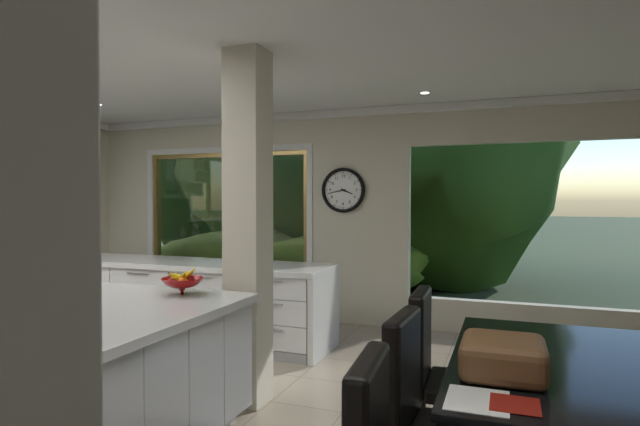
3:43
